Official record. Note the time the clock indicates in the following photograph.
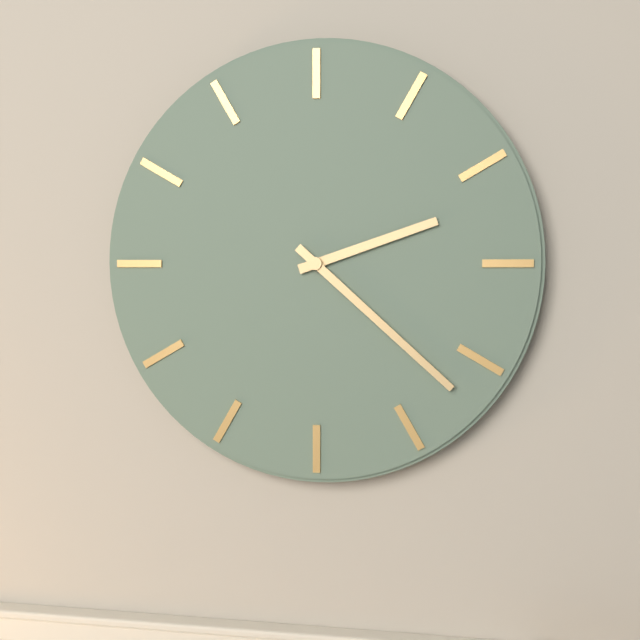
2:22
